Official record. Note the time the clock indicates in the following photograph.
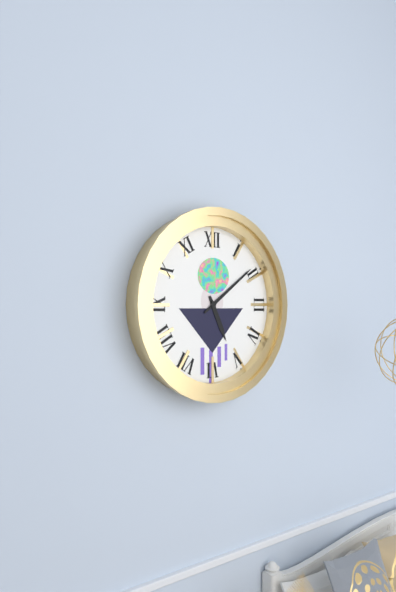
5:09
